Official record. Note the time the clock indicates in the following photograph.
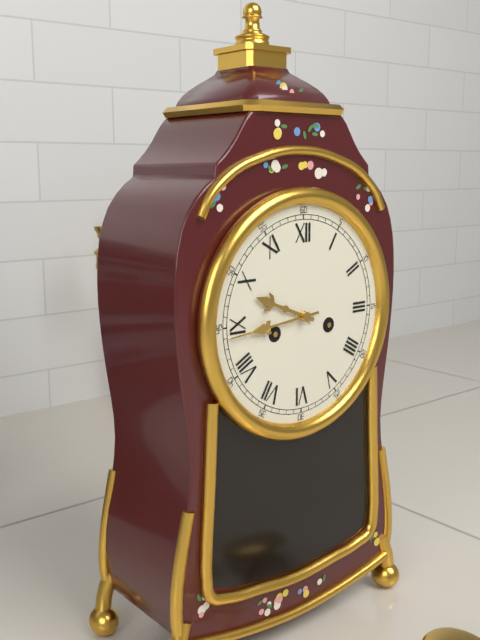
9:44
